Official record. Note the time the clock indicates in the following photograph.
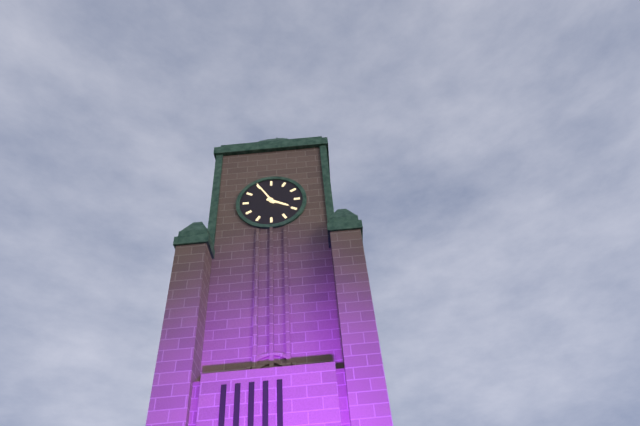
3:55
